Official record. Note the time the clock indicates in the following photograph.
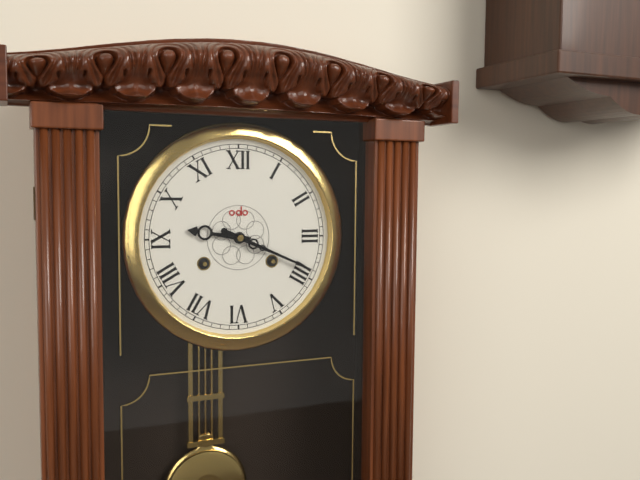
9:19
